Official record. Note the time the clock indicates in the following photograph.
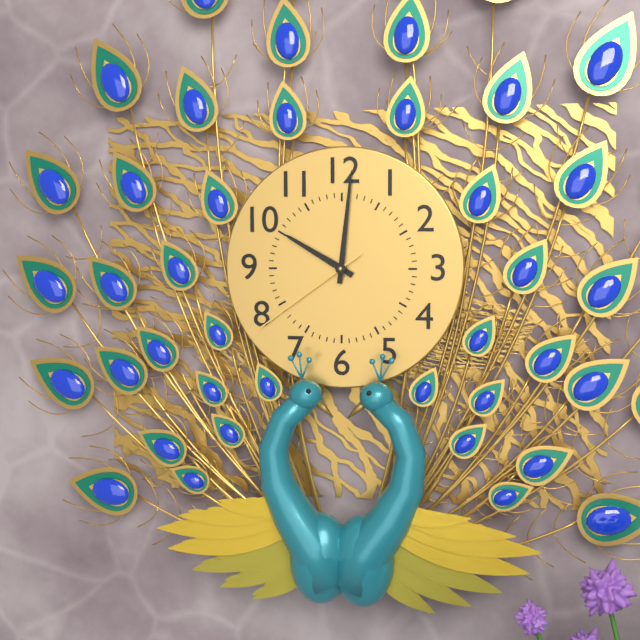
10:01:39
